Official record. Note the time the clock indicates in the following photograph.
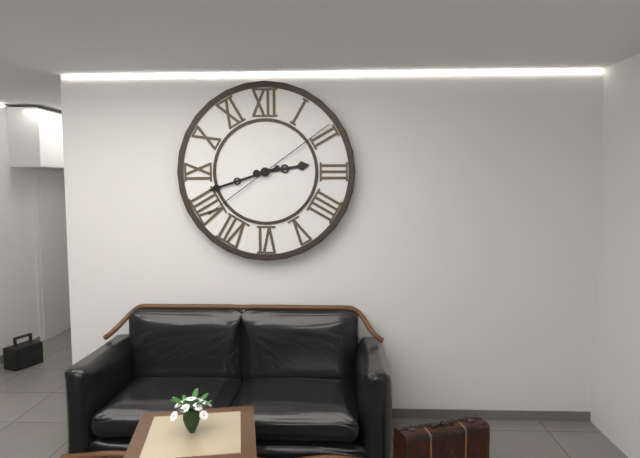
2:42:09
